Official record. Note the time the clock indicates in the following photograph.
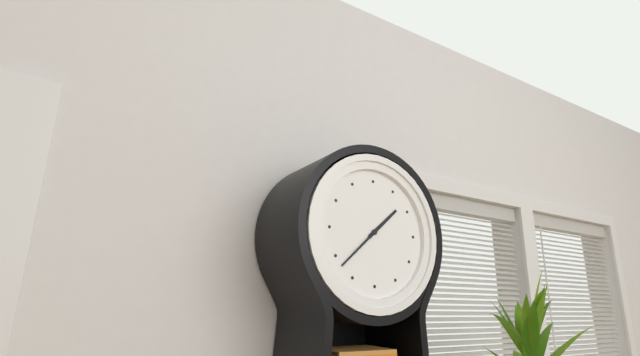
1:38
